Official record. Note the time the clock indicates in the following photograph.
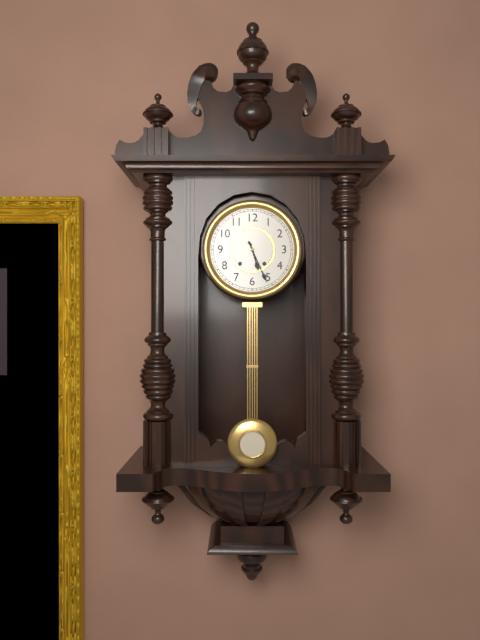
5:26
